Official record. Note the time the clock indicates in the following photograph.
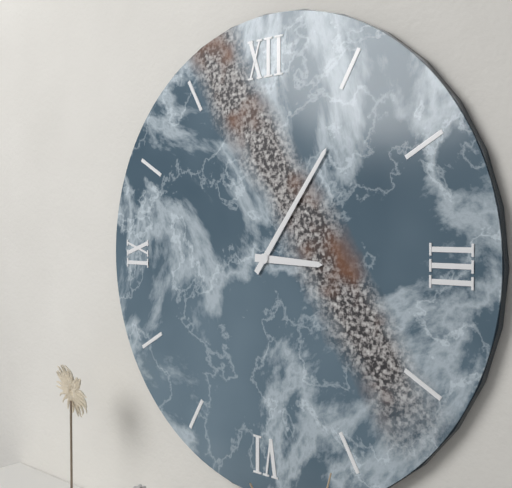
3:06
